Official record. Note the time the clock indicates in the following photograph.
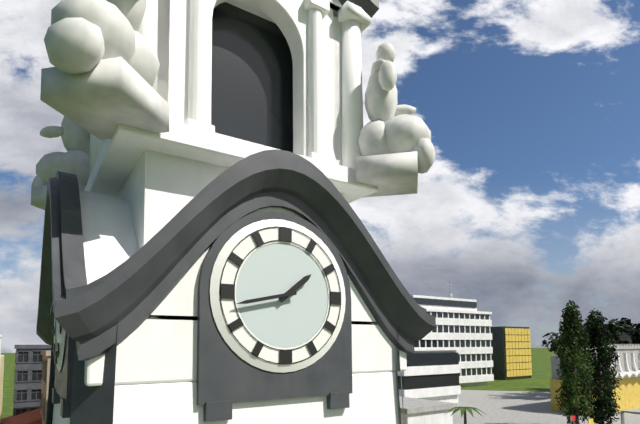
1:43
